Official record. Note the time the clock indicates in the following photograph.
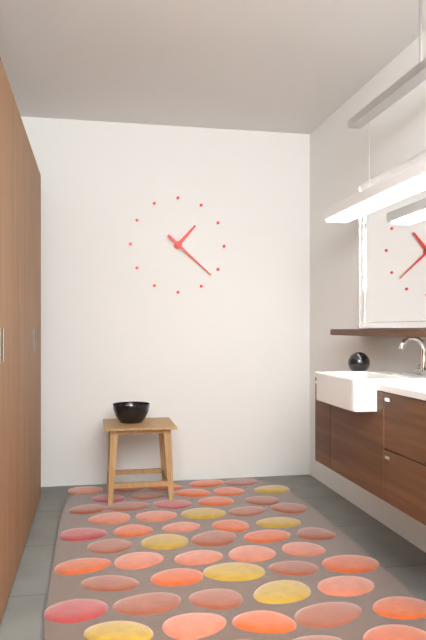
1:22
